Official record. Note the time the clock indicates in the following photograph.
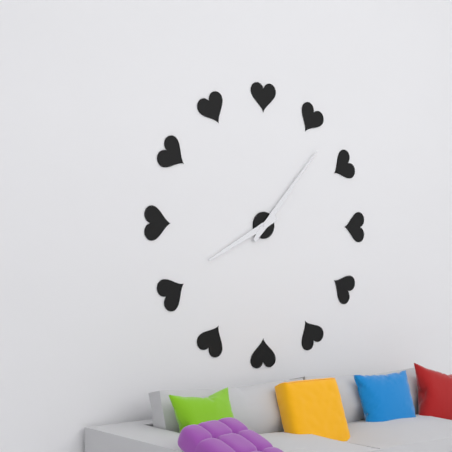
8:07
